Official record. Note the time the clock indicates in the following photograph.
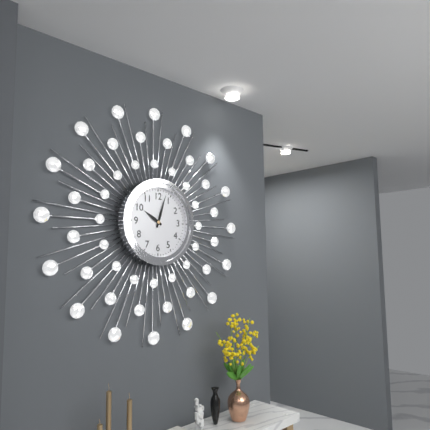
10:03
